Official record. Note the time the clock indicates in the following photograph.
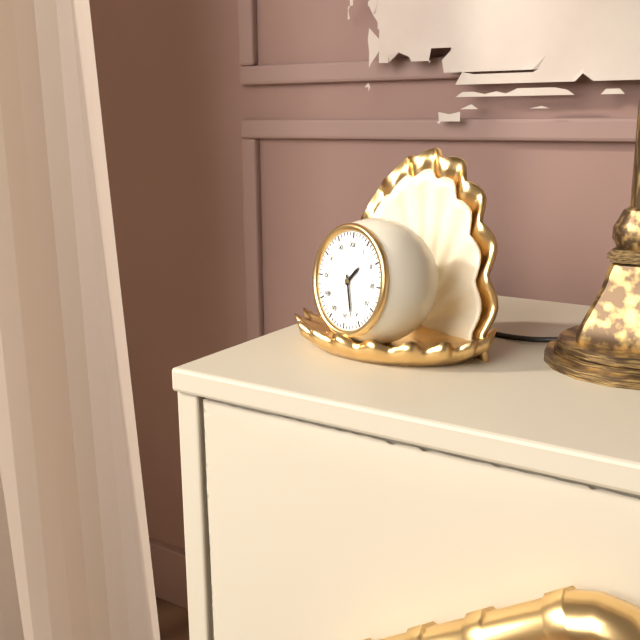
1:27
